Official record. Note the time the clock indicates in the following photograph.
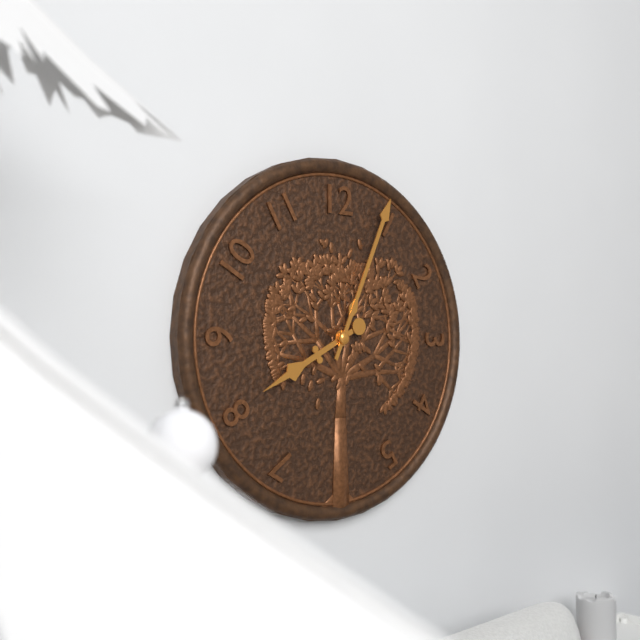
8:04
